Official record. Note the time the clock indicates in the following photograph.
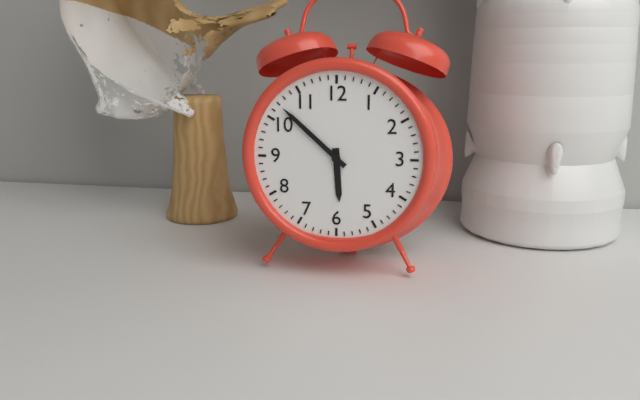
5:52
